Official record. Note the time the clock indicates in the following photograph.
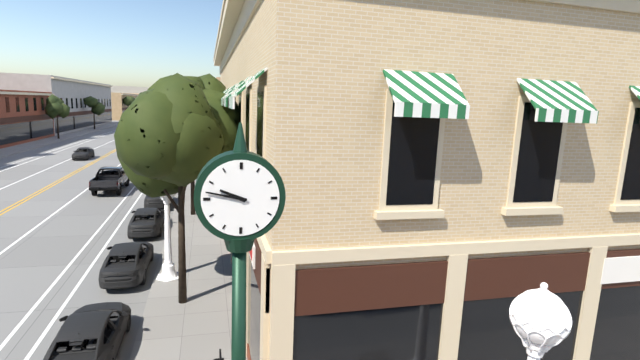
9:47
